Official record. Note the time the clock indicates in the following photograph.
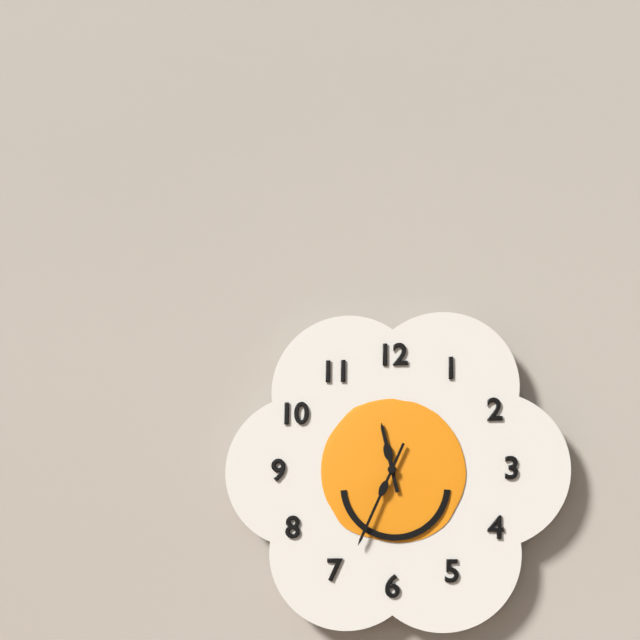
11:34
